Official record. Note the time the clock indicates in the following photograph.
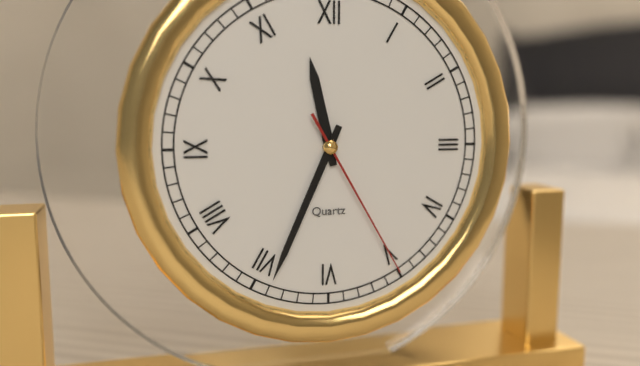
11:34:25
